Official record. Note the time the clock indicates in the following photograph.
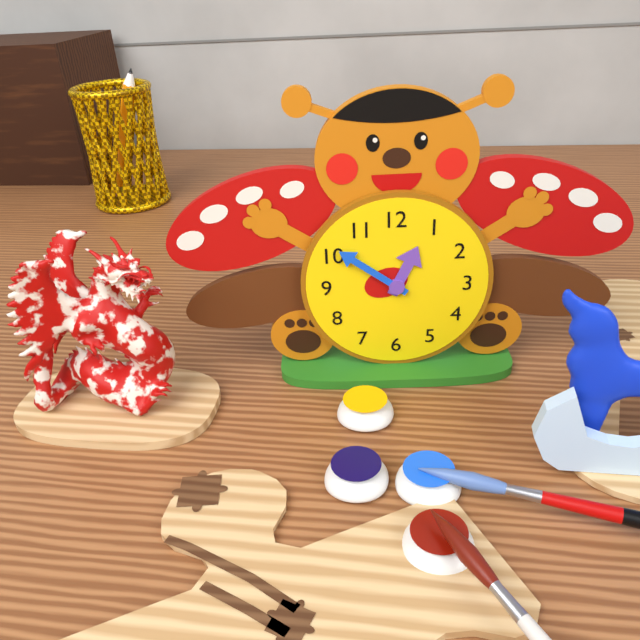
12:51
